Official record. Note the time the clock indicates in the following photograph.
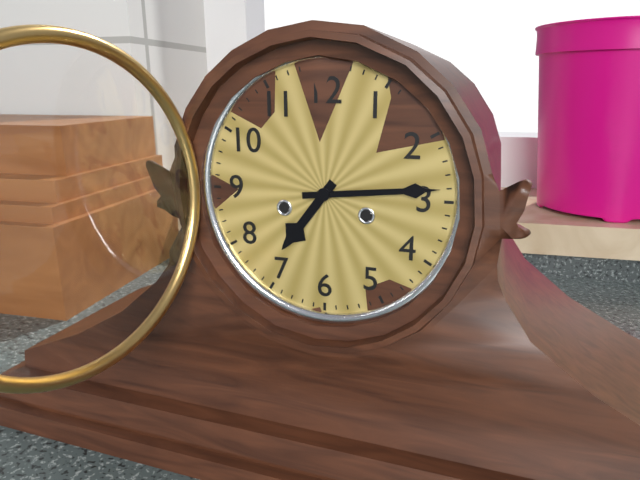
7:14
